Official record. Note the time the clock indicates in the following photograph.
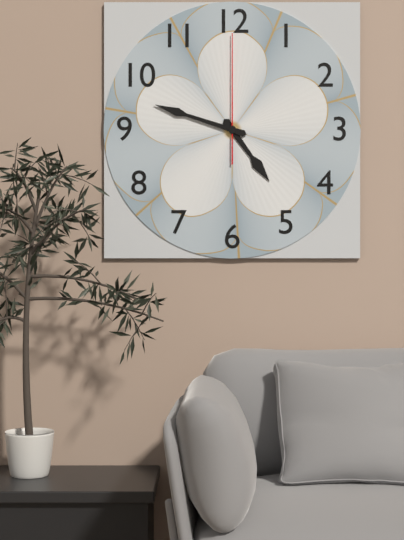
4:48:00
